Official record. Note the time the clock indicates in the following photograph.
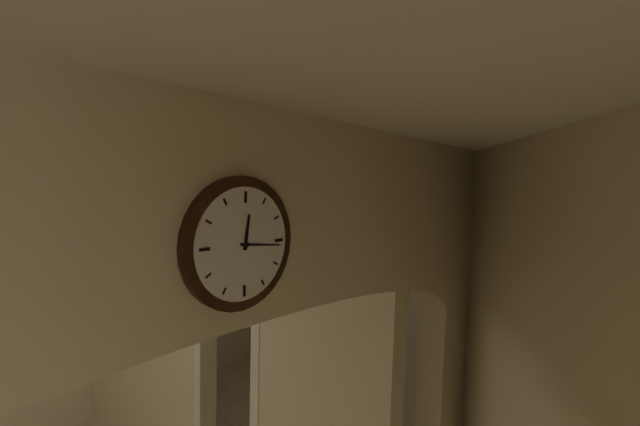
12:16
